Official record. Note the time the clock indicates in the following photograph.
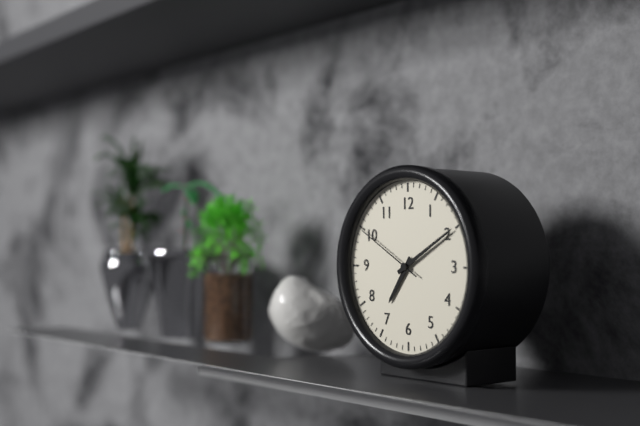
7:10:50
